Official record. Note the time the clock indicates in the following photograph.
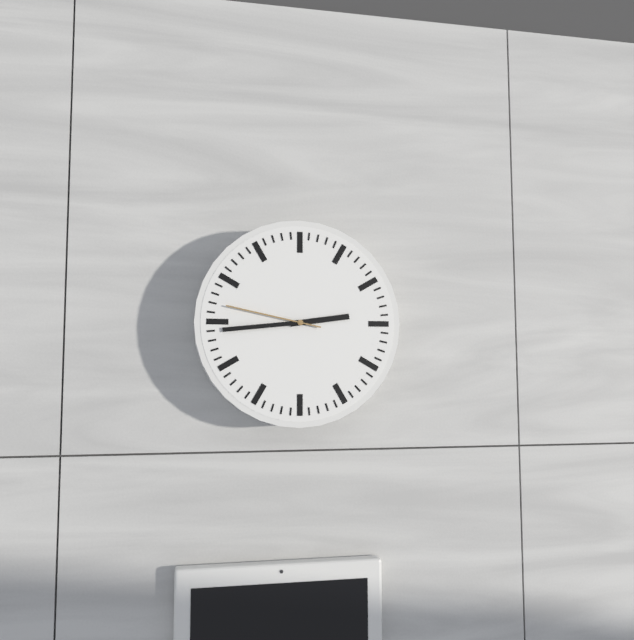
2:44:47
